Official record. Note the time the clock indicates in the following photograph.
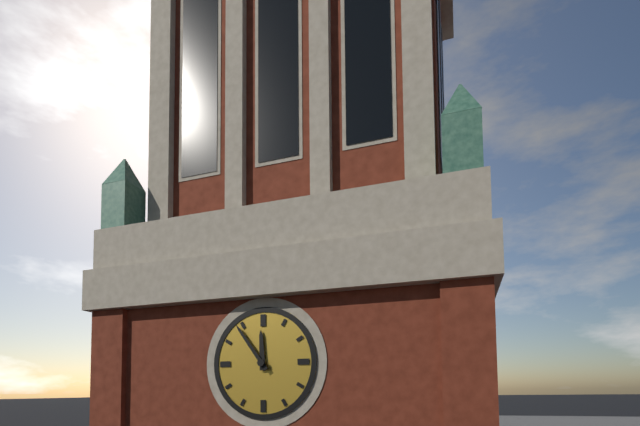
11:54
